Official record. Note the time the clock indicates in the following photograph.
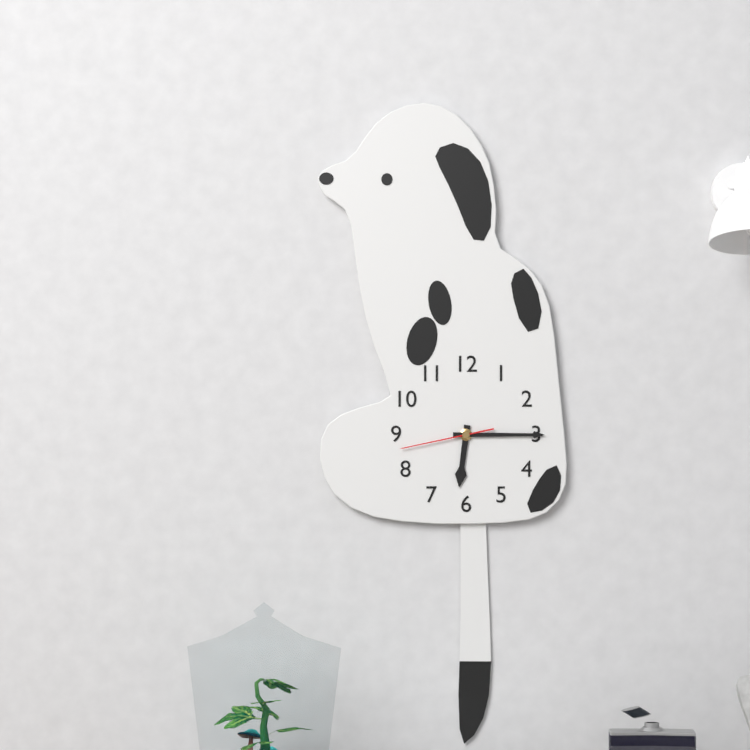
6:15:43
